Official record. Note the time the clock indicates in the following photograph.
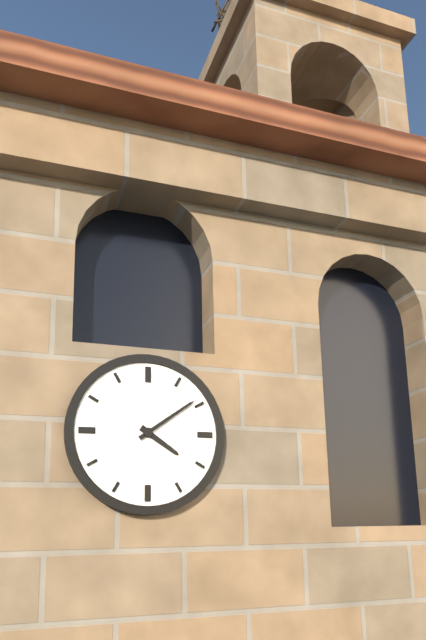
4:09
